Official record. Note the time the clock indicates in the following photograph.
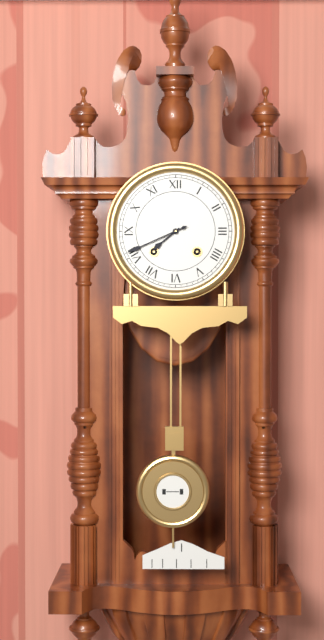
7:41
